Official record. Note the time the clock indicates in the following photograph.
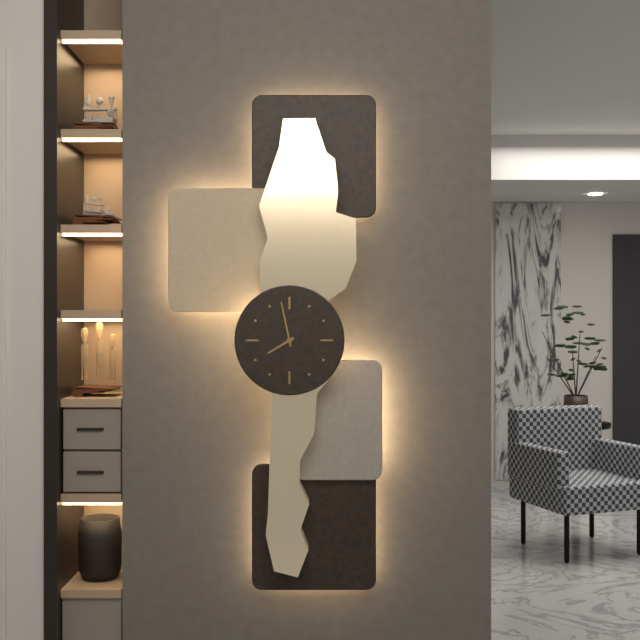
7:58
